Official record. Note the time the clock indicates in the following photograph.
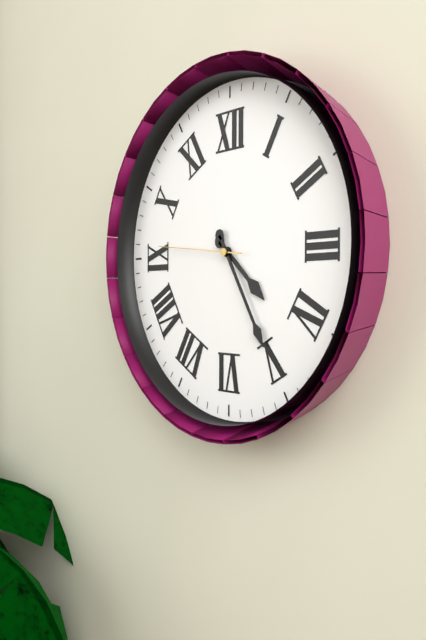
4:25:46
